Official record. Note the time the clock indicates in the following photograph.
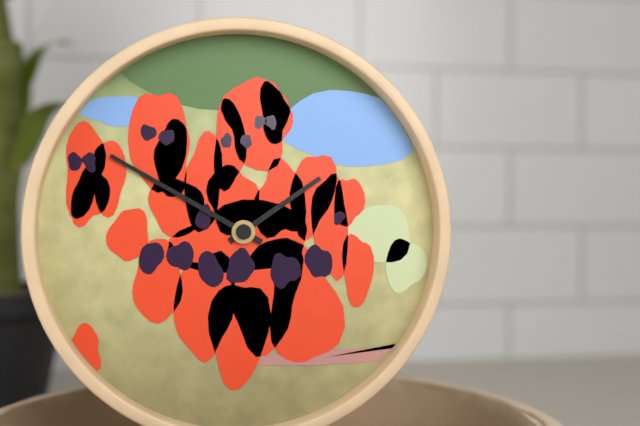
1:50
